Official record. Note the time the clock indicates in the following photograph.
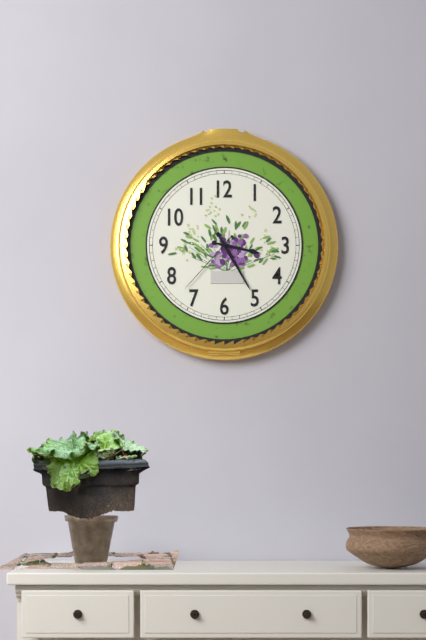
3:25:37
